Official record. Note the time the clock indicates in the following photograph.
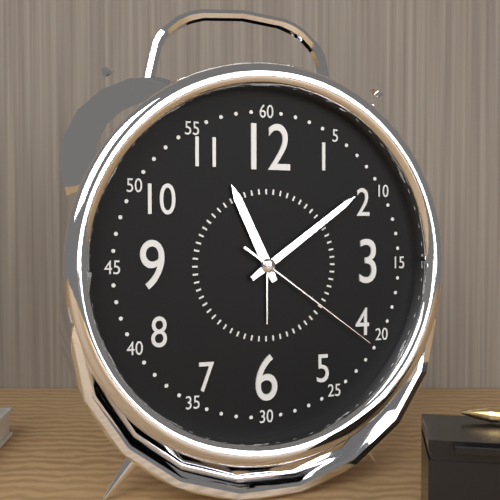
11:09:21
